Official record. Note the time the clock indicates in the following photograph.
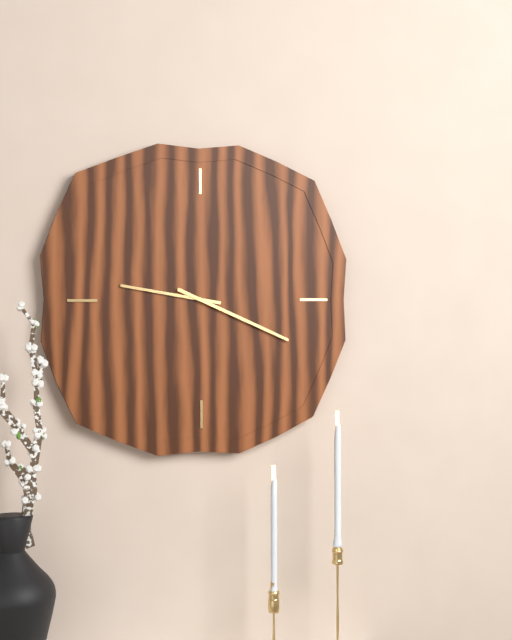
9:19
